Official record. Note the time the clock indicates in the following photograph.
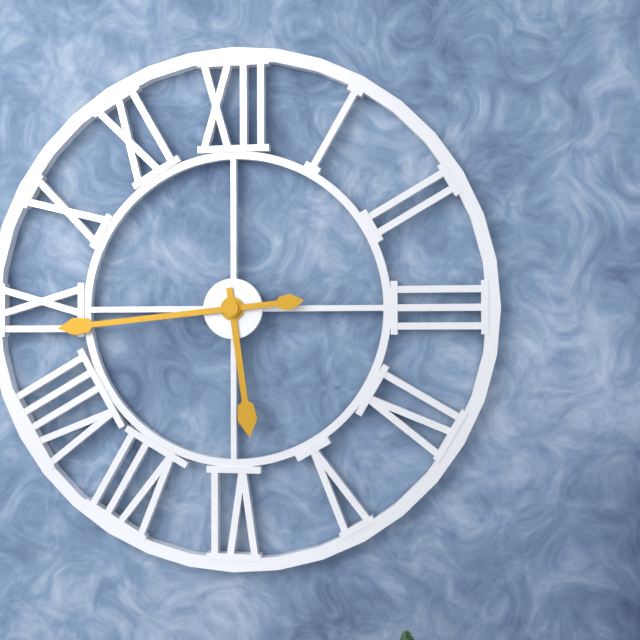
5:44
